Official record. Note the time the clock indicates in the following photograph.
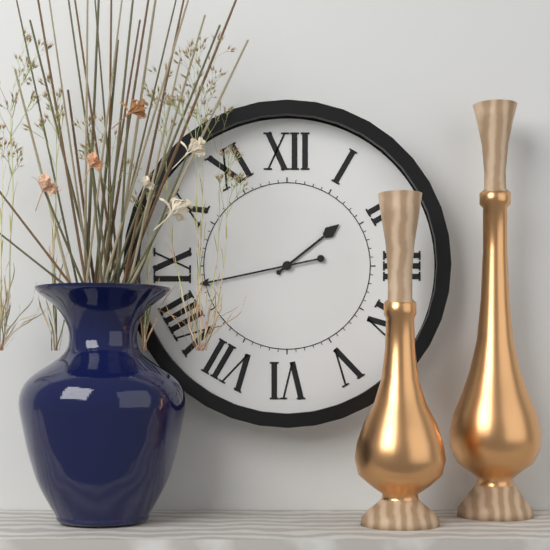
1:43
